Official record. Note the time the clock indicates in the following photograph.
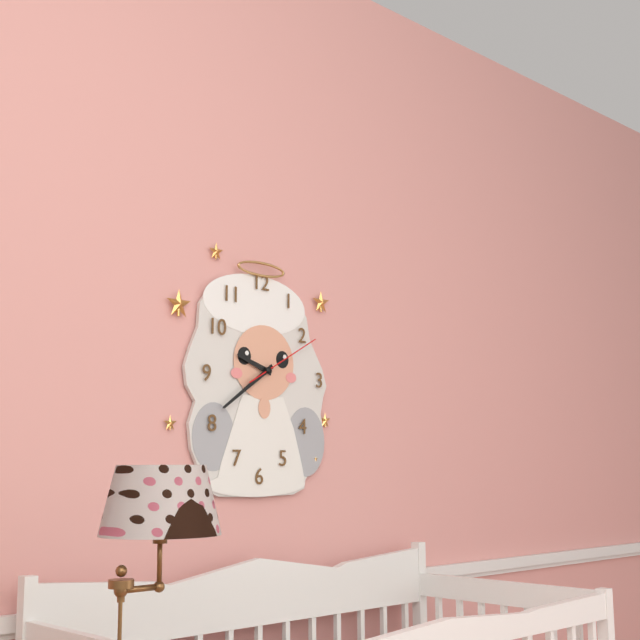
9:39:10
